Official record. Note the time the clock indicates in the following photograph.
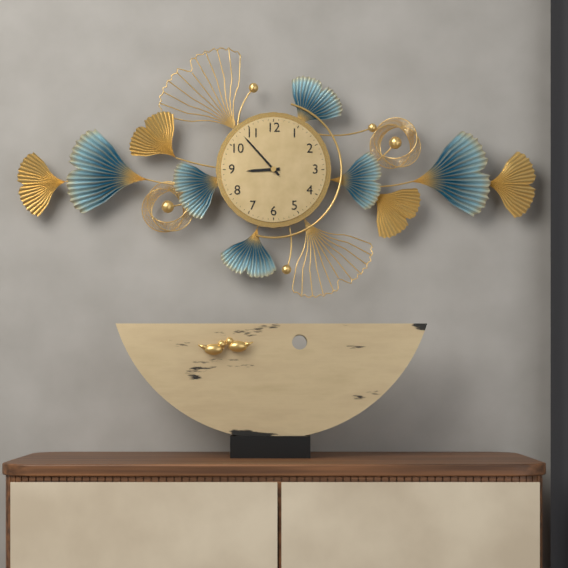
8:53
